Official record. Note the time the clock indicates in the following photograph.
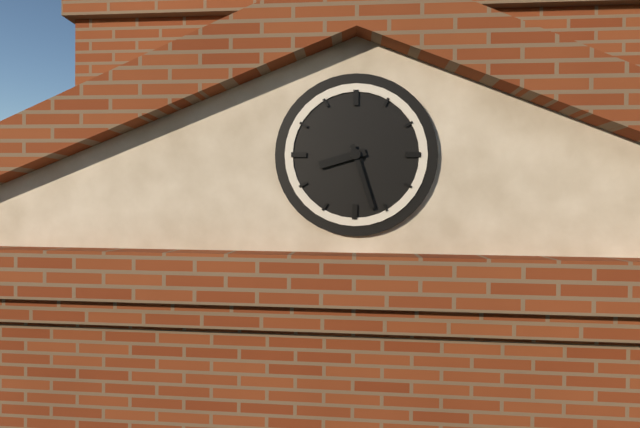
8:27
